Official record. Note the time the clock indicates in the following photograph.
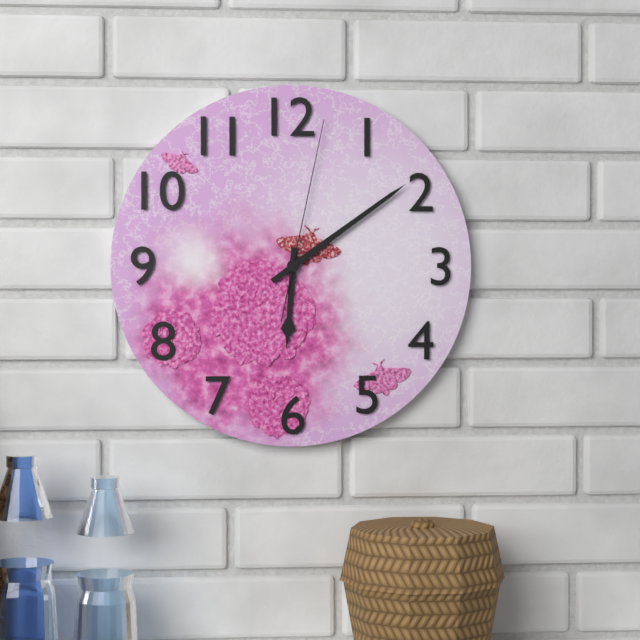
6:09:02
